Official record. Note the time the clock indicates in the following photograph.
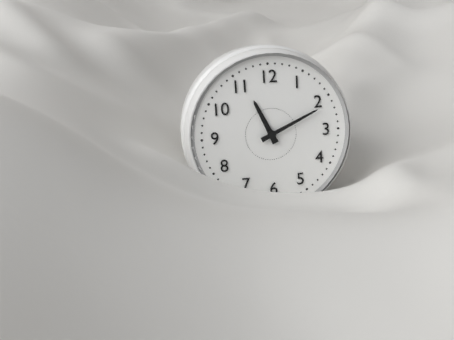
11:11
